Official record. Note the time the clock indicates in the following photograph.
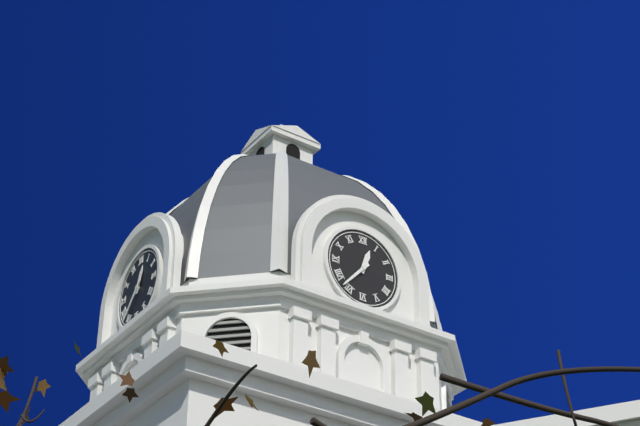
12:37
